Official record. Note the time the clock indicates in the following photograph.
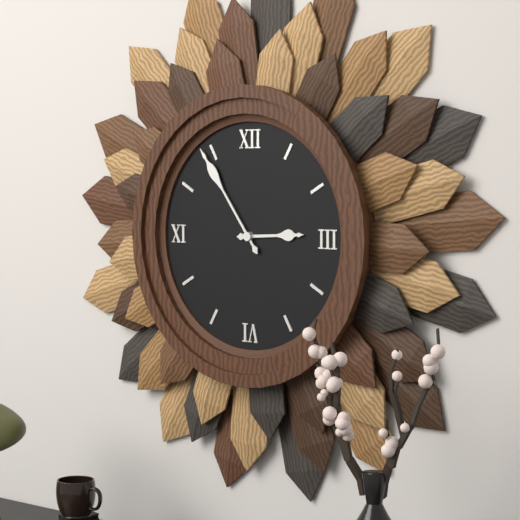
2:54
